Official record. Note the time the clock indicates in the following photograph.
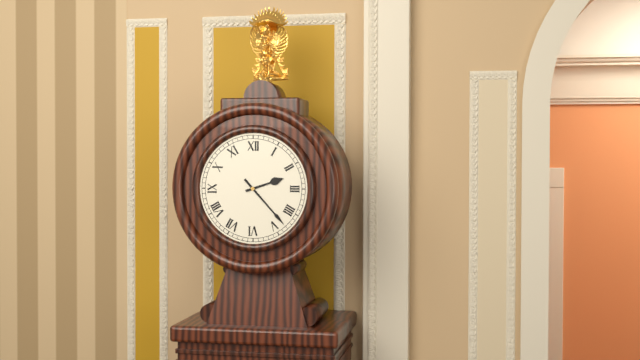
2:23
